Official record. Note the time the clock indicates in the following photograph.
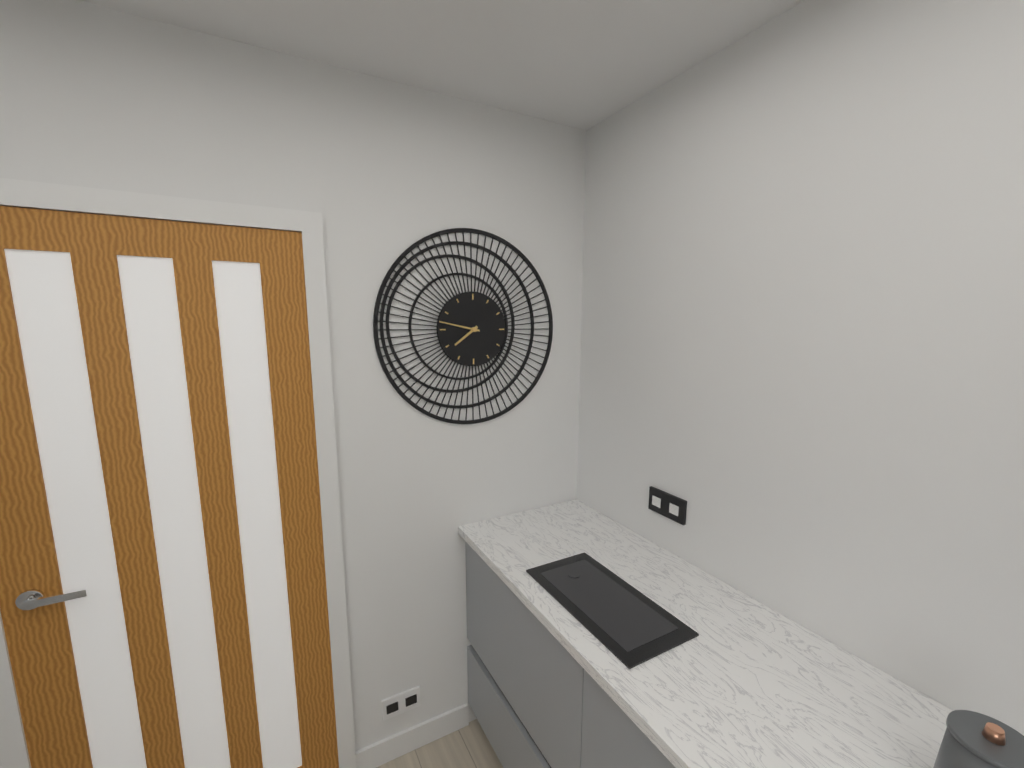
7:47
